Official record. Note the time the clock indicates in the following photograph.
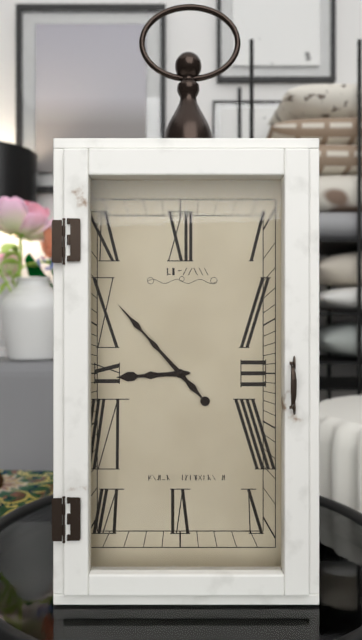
8:53
